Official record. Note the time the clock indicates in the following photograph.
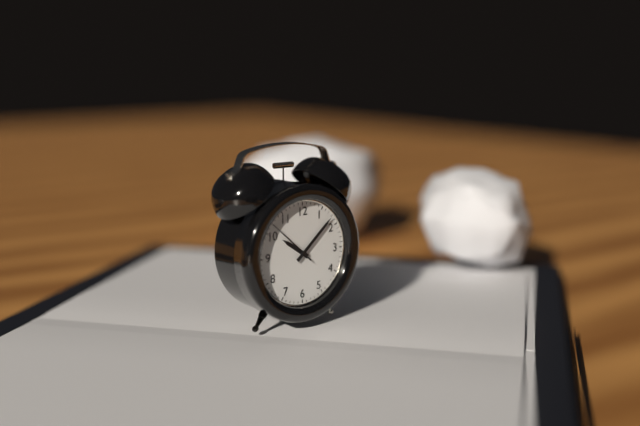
10:08
